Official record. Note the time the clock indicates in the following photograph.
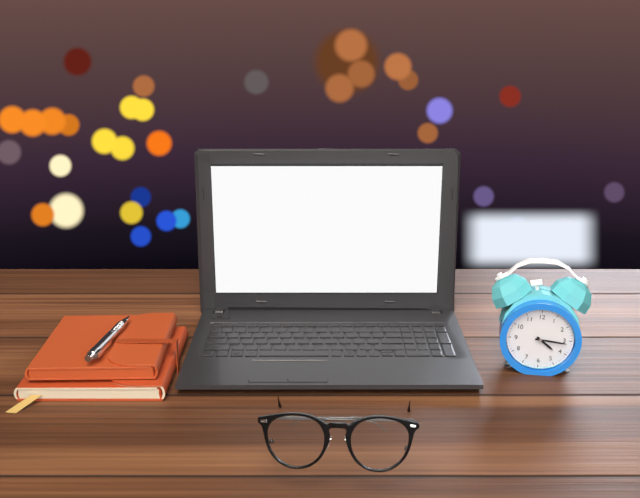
4:16
